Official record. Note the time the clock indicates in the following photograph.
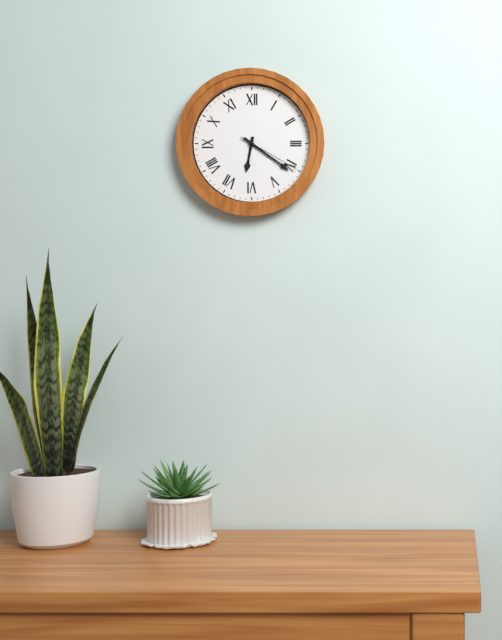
6:21:20
